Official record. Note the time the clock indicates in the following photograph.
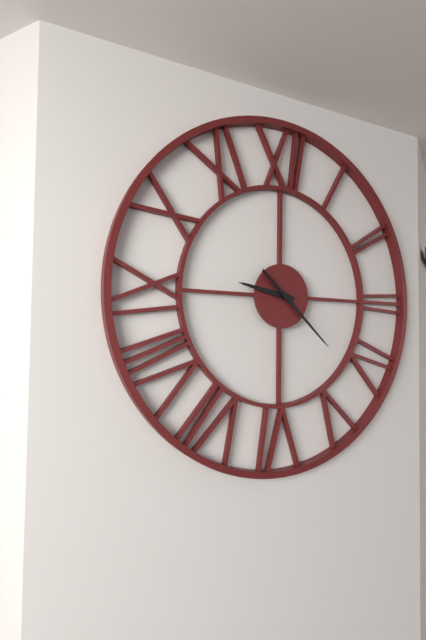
9:22
